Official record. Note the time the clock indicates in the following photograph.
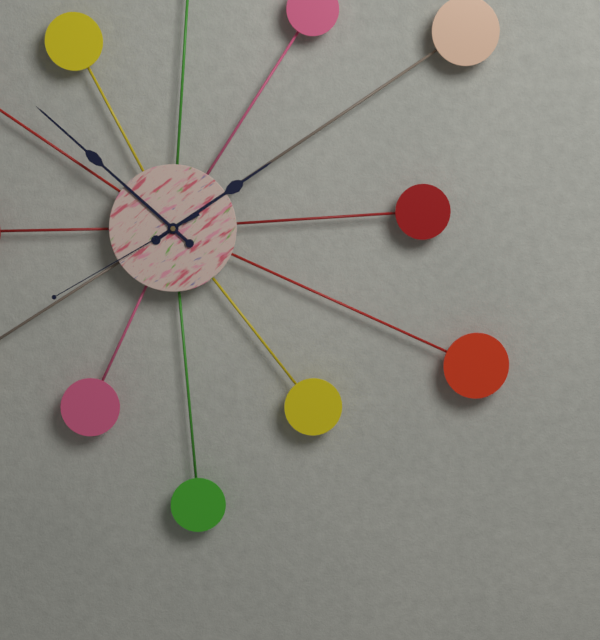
1:52:40
